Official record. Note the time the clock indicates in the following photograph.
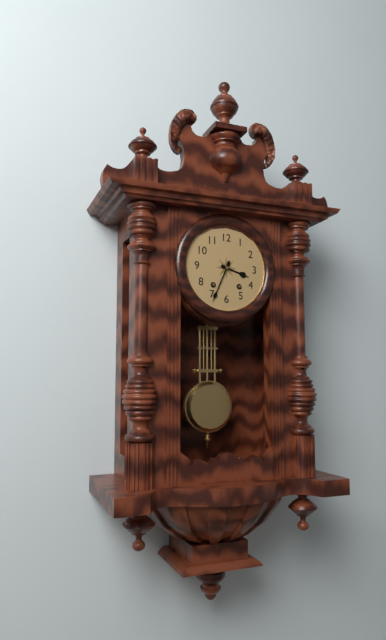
3:34
